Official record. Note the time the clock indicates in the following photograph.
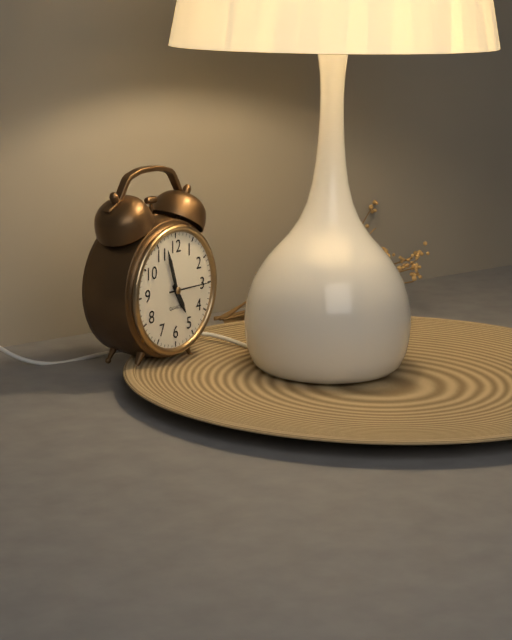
4:57
